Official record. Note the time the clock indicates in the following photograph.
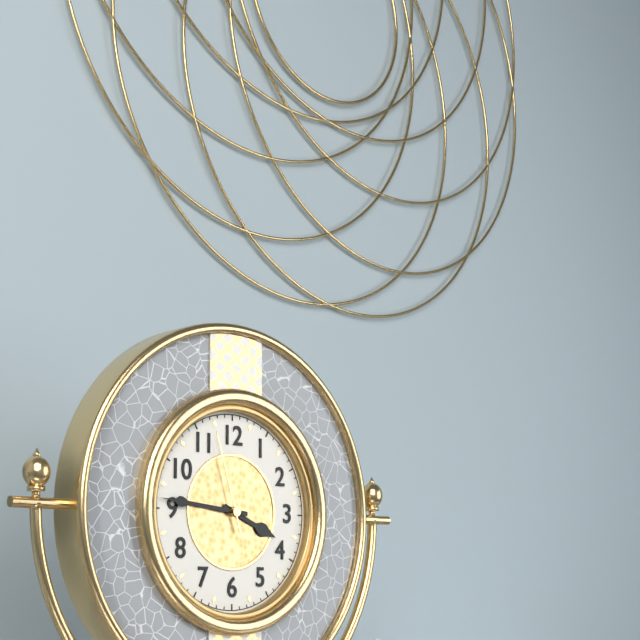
3:46:57
